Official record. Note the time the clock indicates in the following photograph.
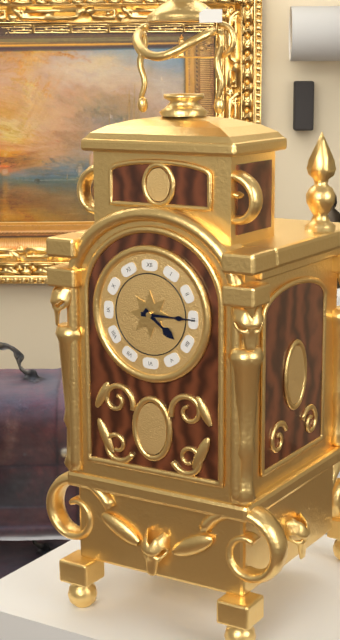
4:15
